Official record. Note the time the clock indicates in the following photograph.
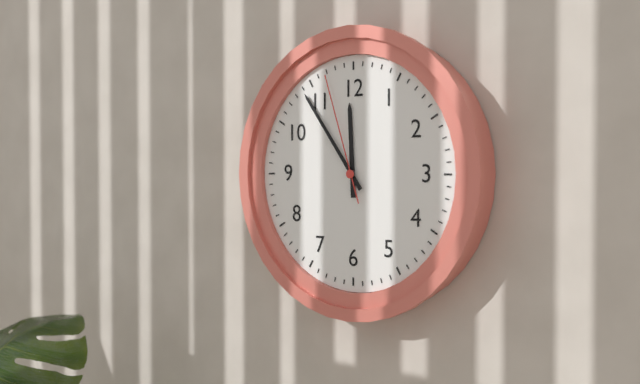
11:54:57
